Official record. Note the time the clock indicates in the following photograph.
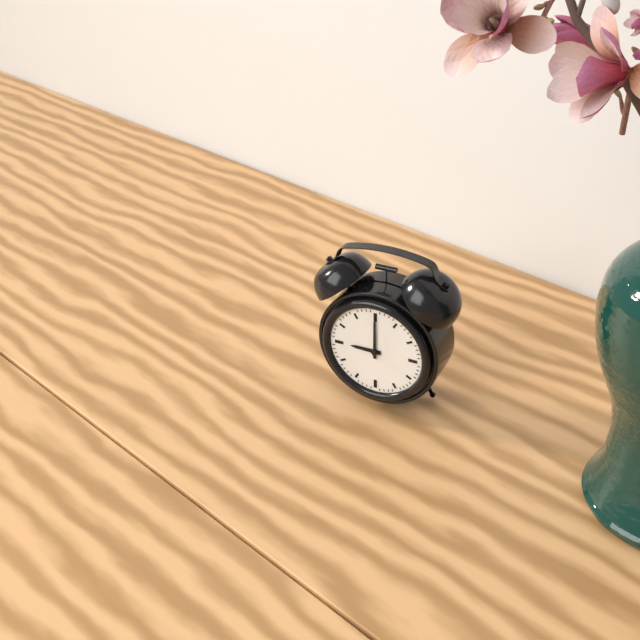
9:00
